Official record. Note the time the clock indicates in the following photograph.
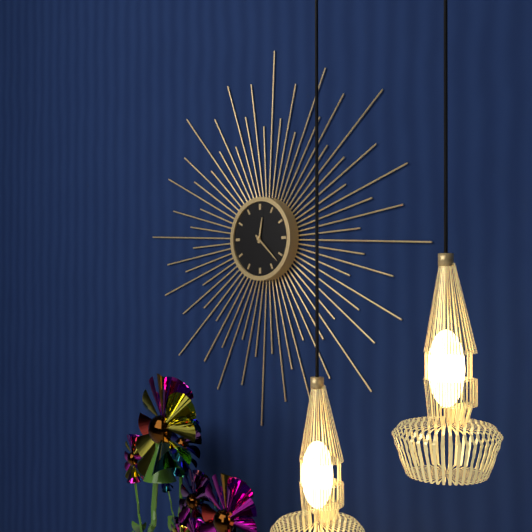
12:22
